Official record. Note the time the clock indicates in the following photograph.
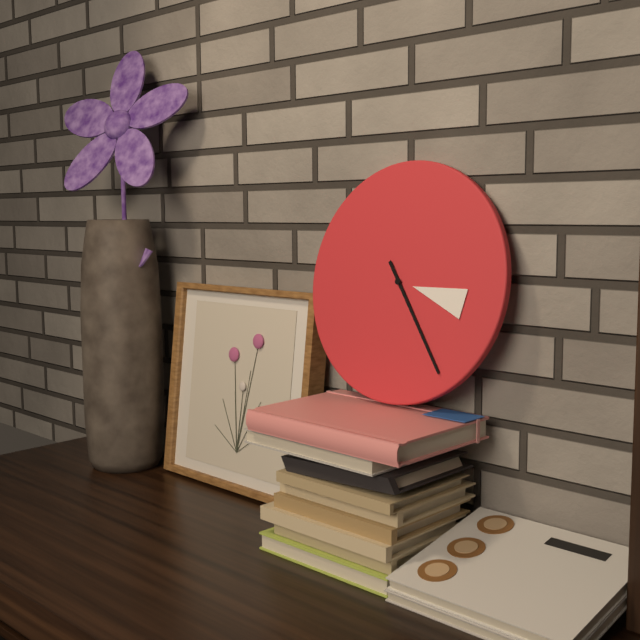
3:24
